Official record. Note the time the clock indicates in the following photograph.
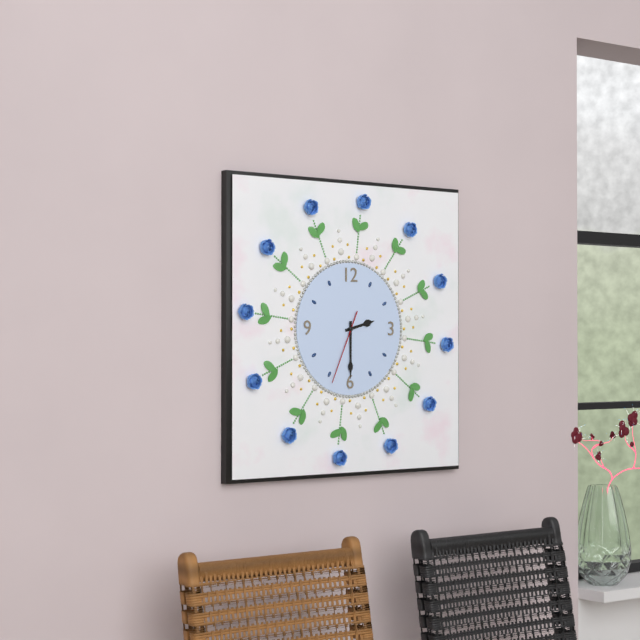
2:30:34
